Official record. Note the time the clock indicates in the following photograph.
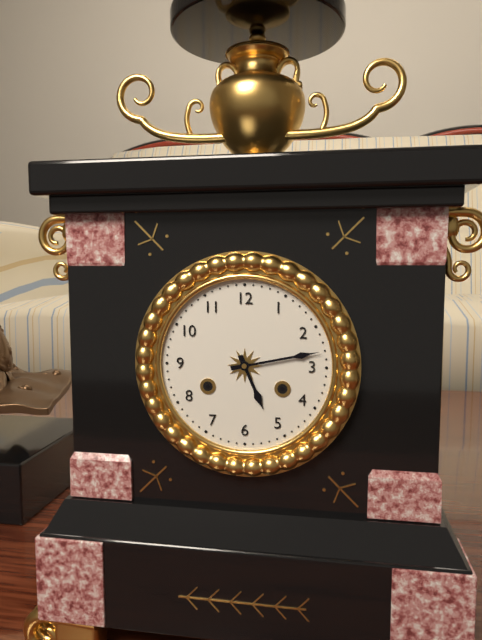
5:13
